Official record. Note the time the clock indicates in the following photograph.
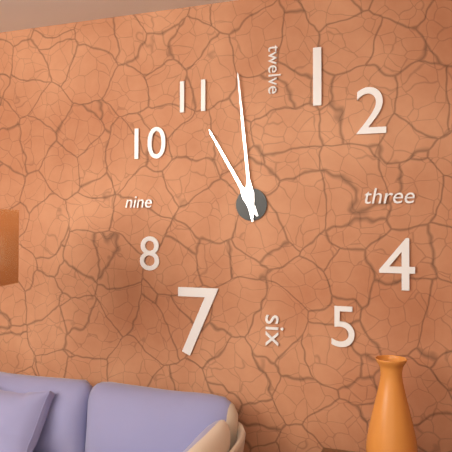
10:59
